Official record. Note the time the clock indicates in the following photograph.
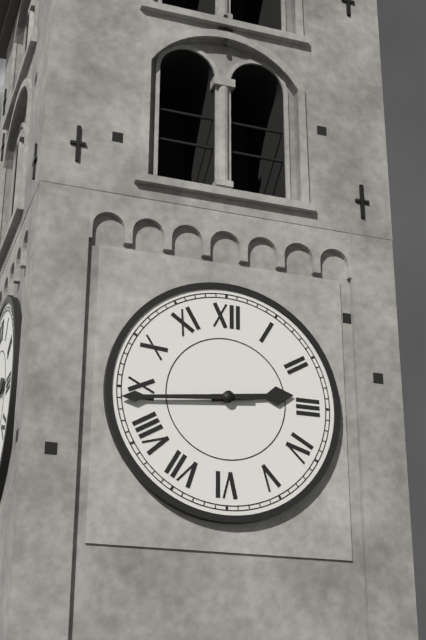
2:44
